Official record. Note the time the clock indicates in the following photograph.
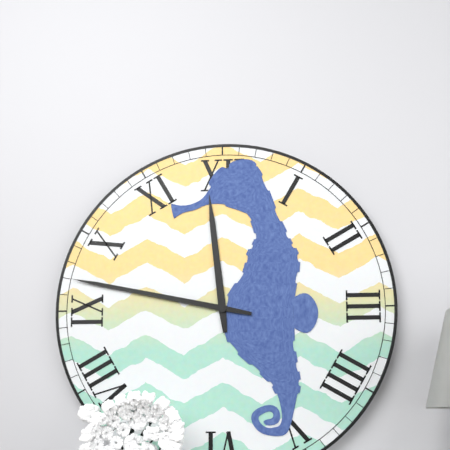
11:47
